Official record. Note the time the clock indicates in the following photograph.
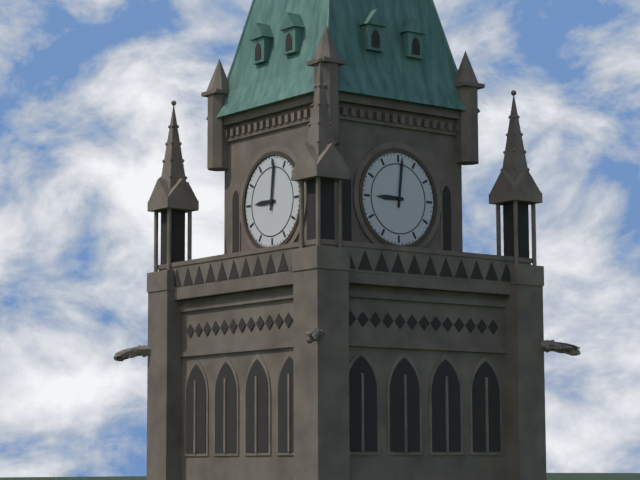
9:01
